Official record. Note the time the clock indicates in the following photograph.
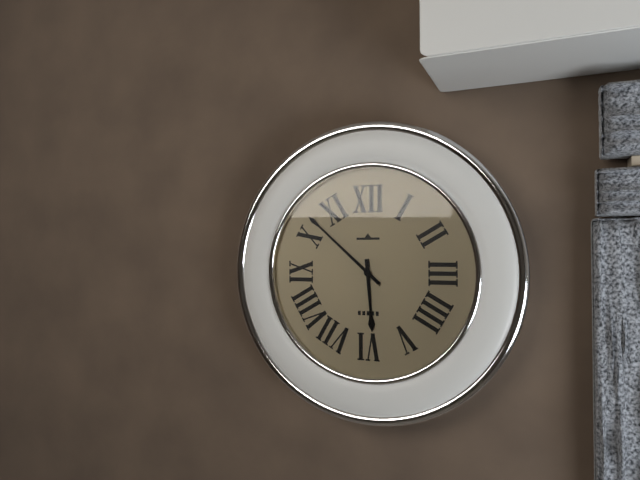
5:52
